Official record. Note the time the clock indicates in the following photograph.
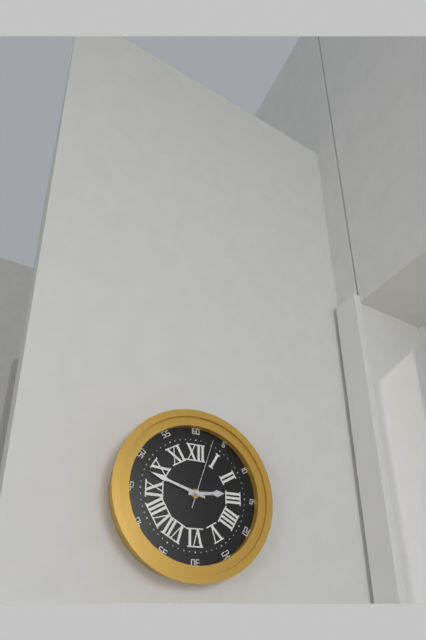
2:48:03
